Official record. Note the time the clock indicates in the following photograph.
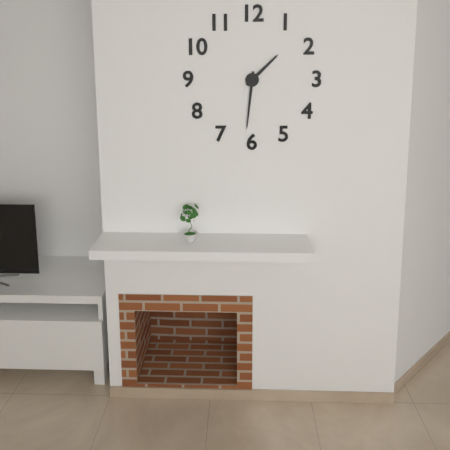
1:31
